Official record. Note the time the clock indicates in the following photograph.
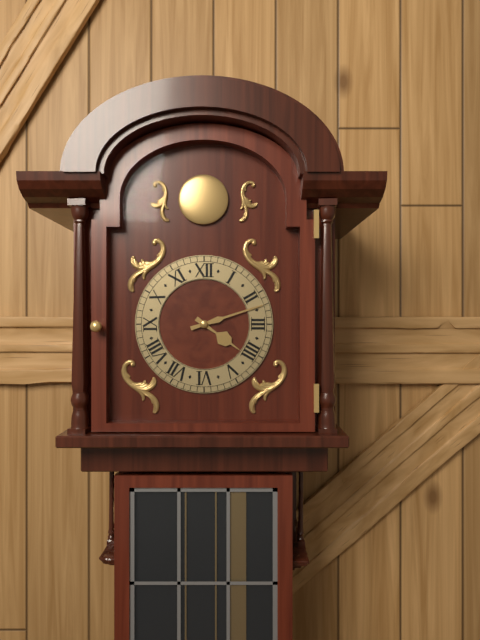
4:12
